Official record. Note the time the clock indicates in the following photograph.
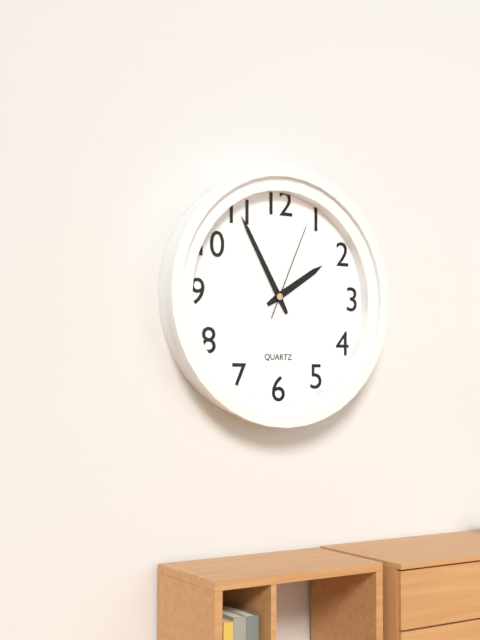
1:55:04
